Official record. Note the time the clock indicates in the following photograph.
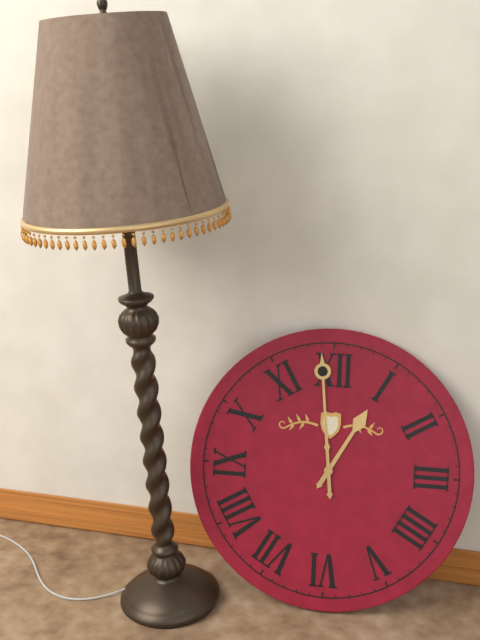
12:59
